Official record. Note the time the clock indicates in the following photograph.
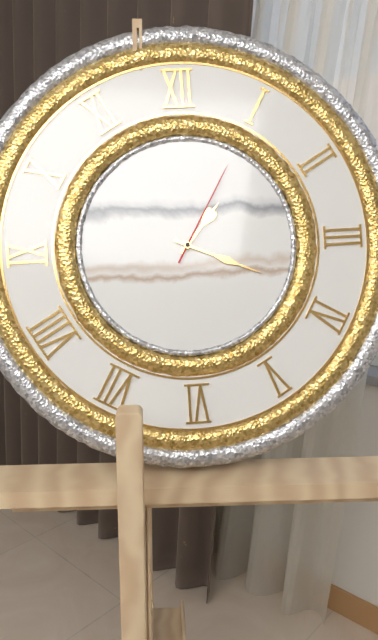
1:19:05
